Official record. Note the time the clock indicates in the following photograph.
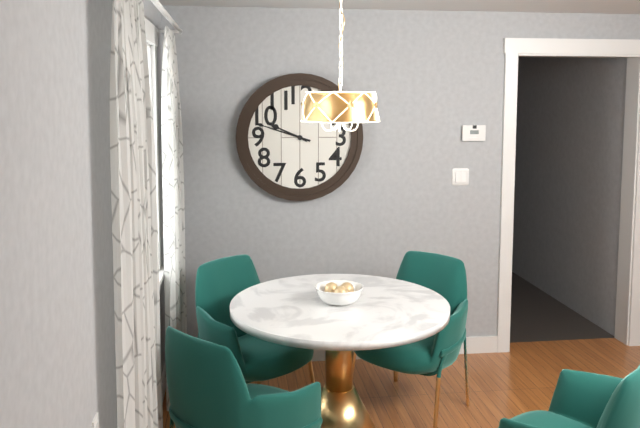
9:48
